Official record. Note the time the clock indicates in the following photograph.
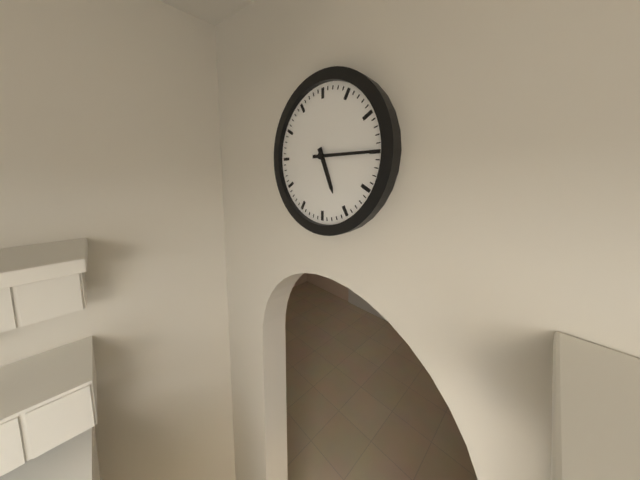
5:15
